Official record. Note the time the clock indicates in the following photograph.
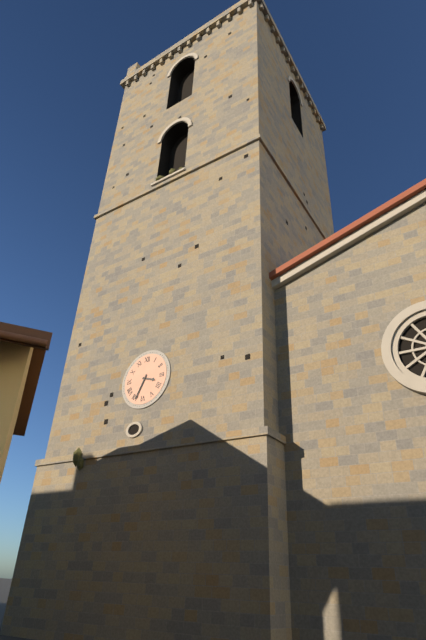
3:34
